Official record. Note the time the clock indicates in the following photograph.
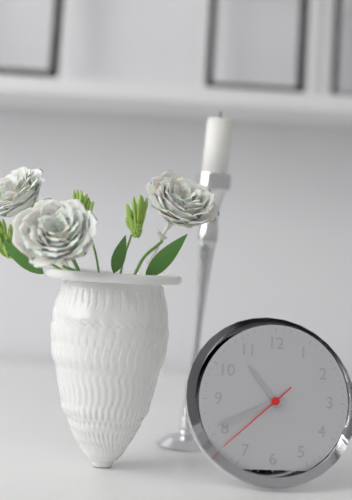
10:41:38
